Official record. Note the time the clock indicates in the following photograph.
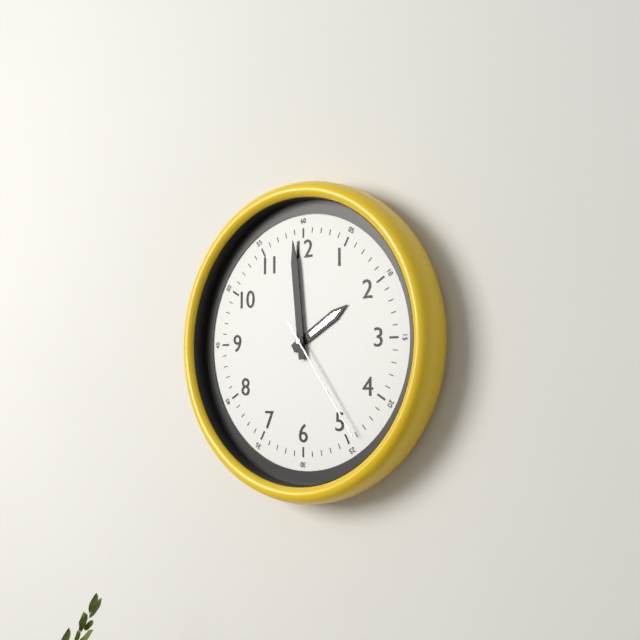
1:59:24
